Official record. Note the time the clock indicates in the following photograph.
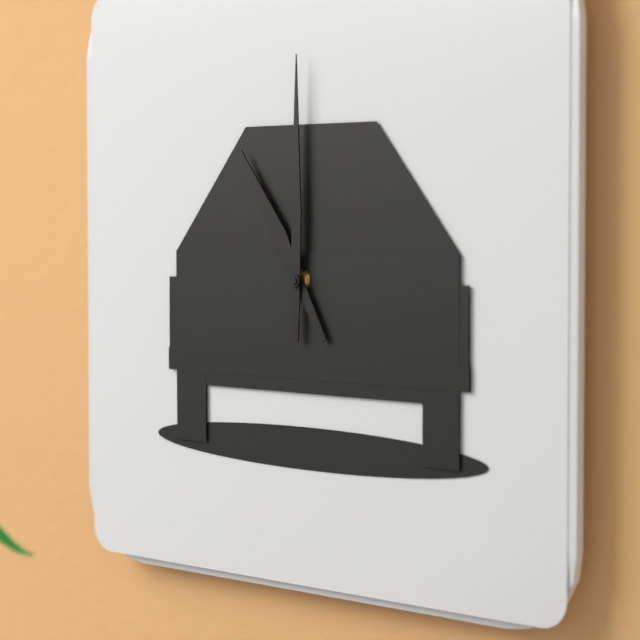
11:00
